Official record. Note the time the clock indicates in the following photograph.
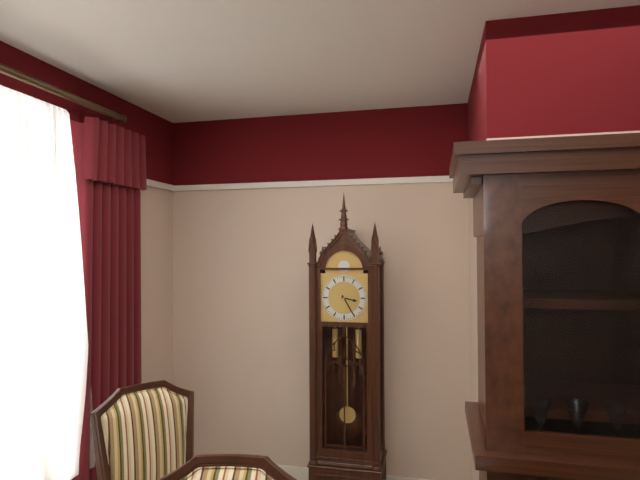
3:25
